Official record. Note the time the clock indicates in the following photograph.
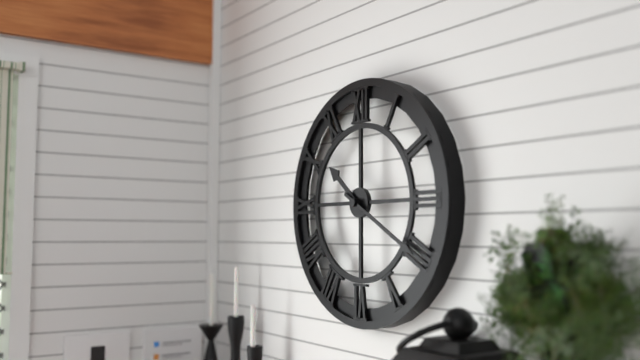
10:20
